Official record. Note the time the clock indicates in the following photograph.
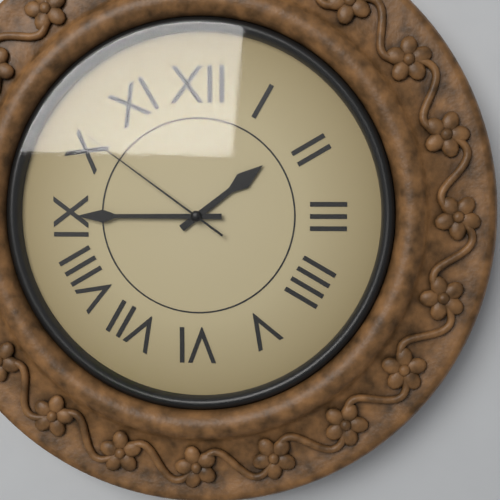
1:45:51
